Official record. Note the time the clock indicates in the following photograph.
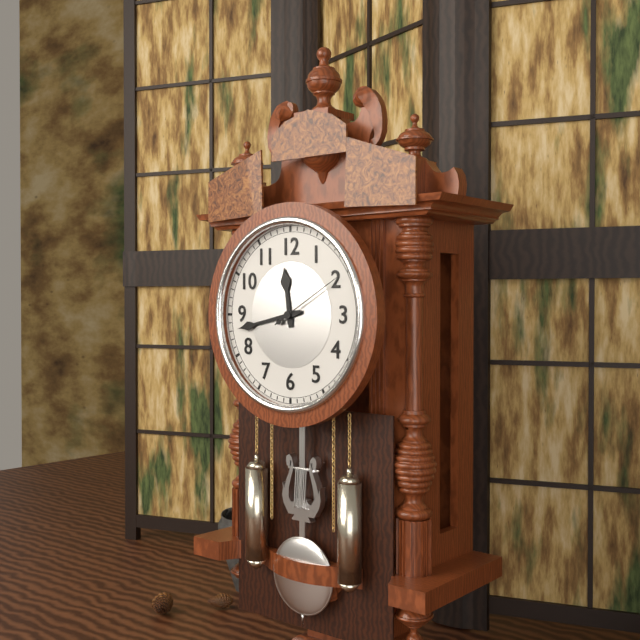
11:43:10
